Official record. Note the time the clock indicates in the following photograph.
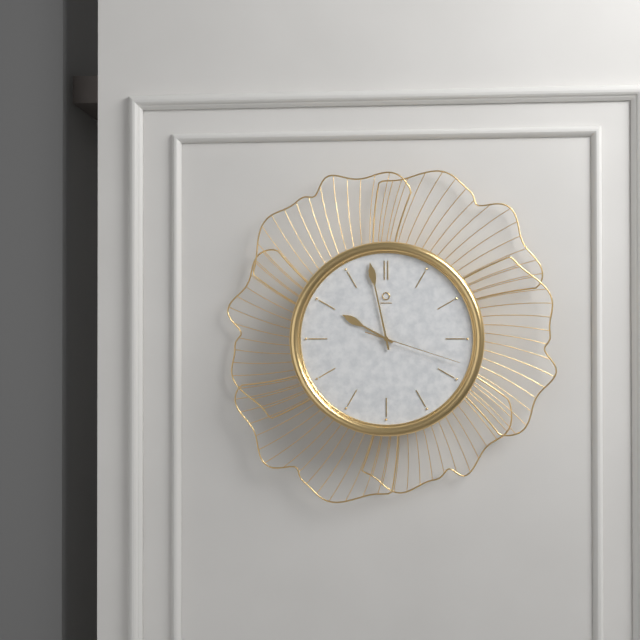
9:58:18
